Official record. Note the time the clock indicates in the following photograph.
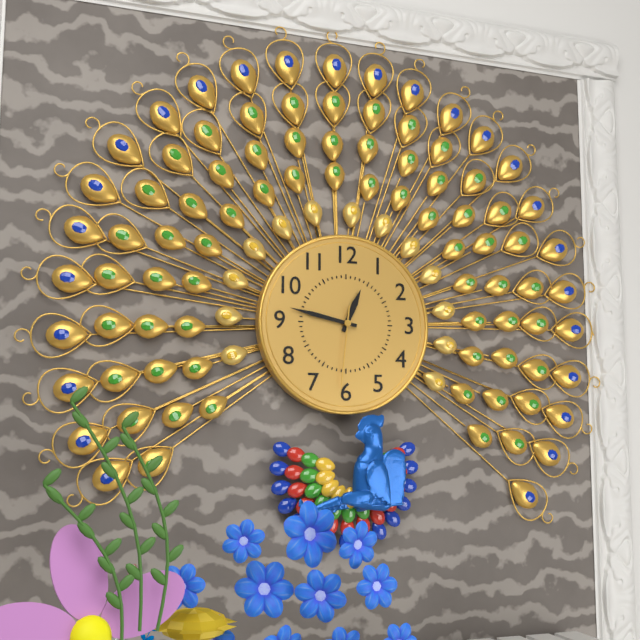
12:47:31
